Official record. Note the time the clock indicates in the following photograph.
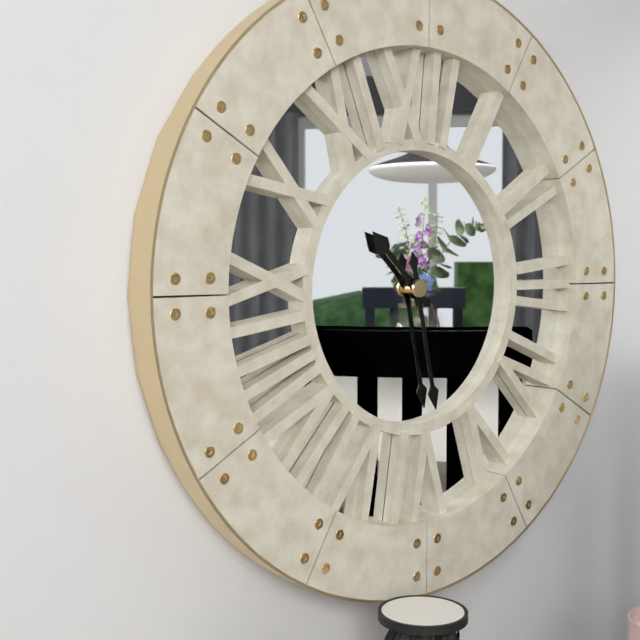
10:28
